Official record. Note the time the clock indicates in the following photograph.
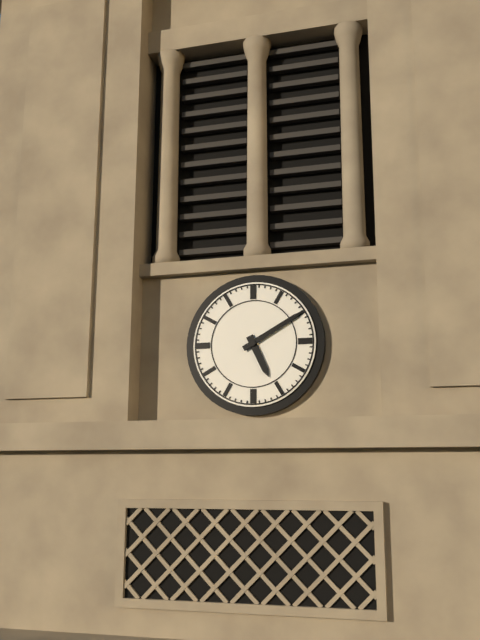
5:10
